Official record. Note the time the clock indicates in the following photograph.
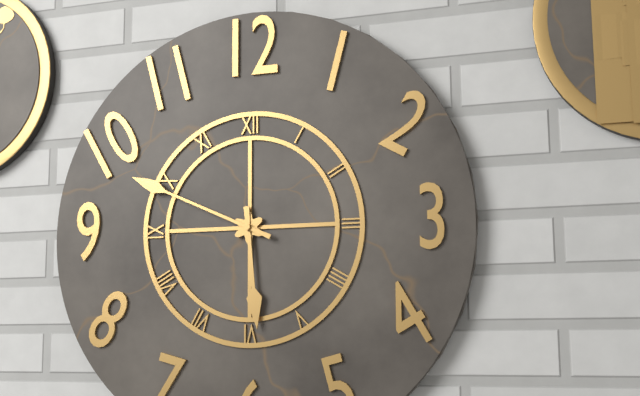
5:49
